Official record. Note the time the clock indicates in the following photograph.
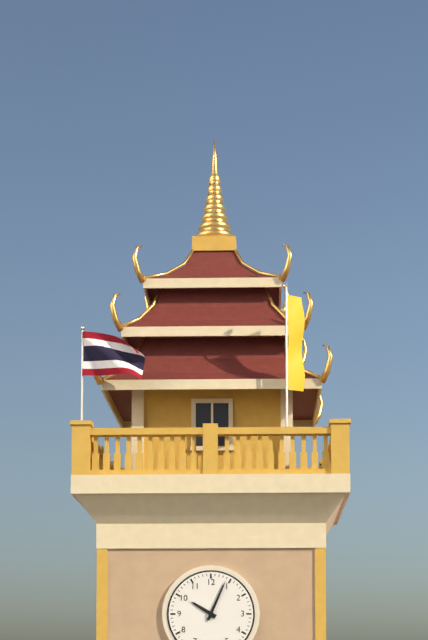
10:04
